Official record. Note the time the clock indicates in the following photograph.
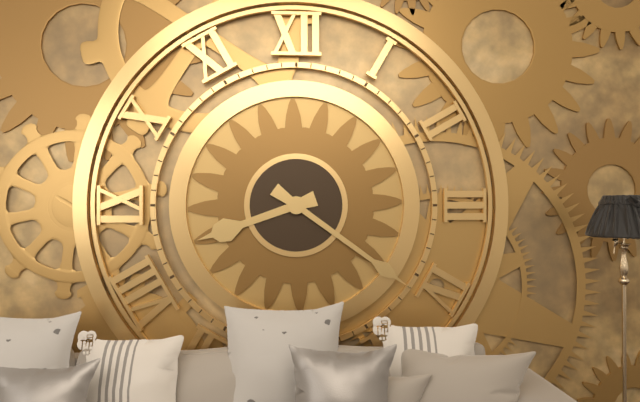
8:21
